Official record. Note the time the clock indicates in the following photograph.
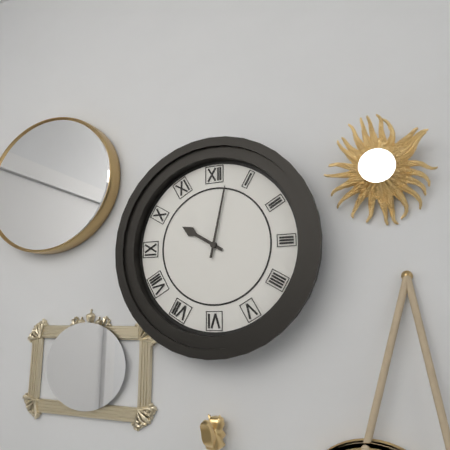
10:02
